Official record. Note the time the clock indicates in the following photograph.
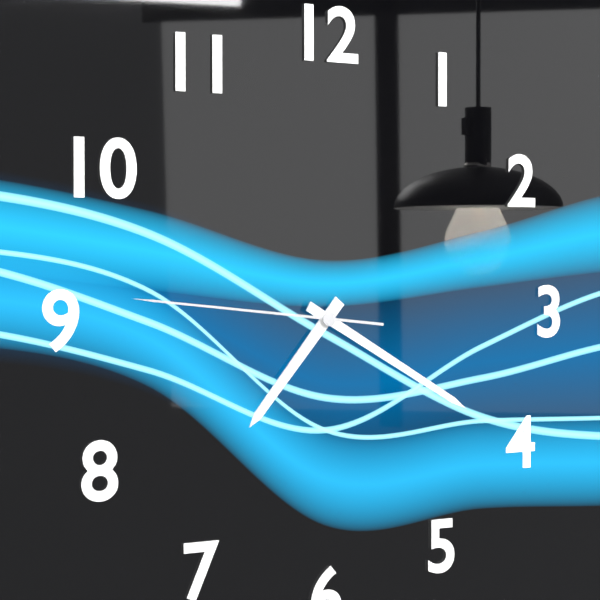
7:20:46
